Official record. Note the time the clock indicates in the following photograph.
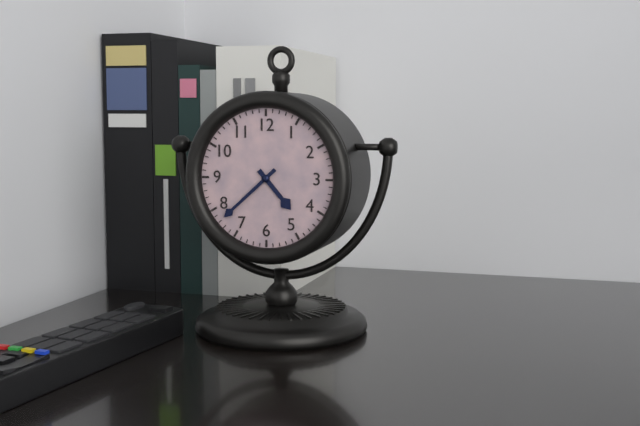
4:38
